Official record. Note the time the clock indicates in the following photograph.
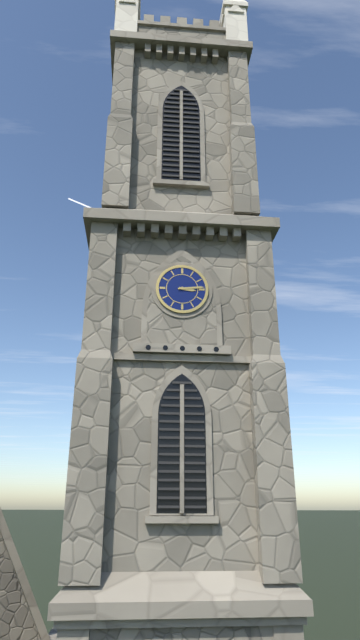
3:14
